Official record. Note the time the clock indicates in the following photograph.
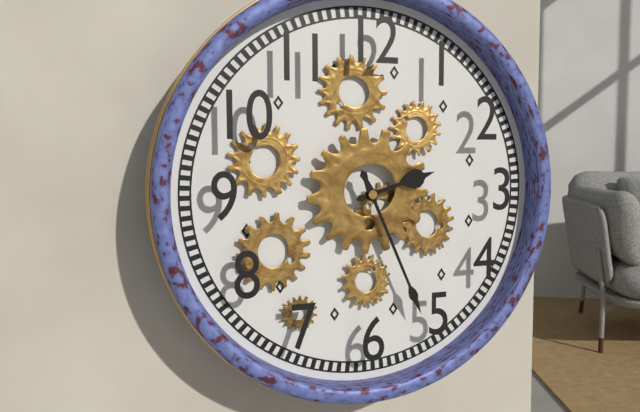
2:26
